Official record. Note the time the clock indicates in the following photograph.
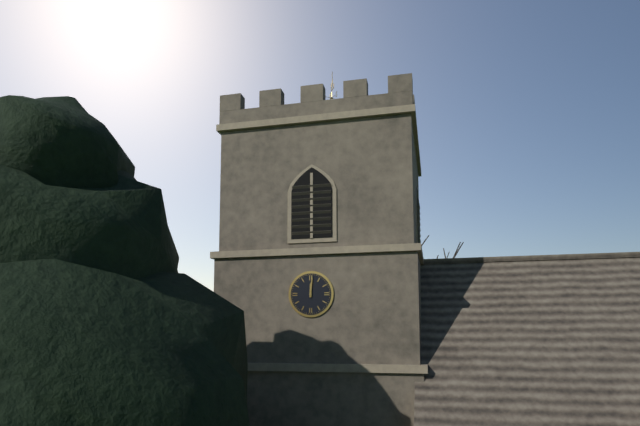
12:01
